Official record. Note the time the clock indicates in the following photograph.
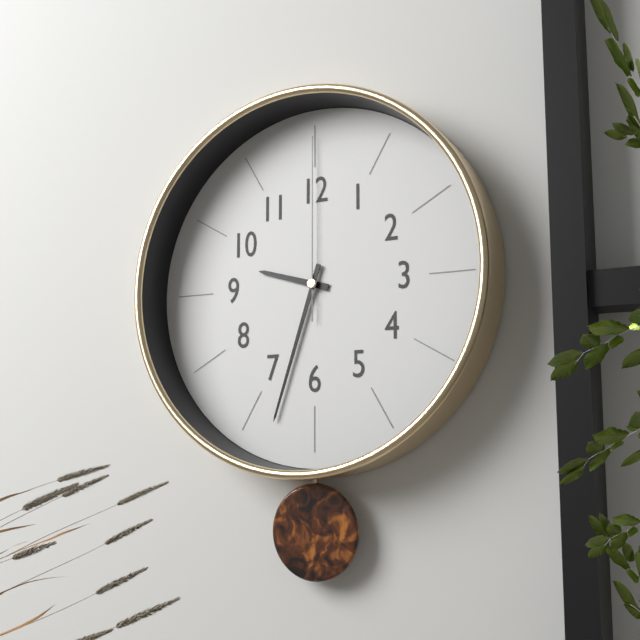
9:33:00
